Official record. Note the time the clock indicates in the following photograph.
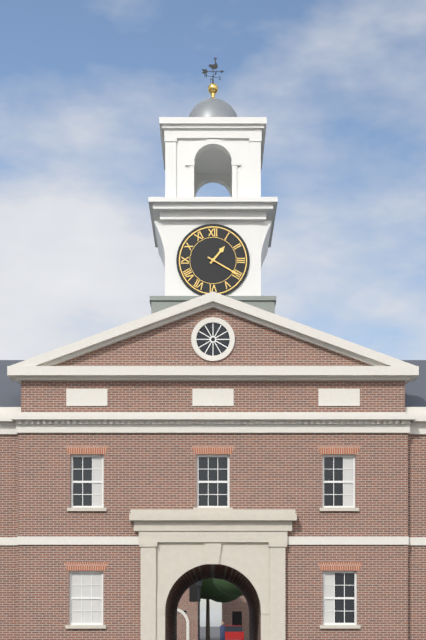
1:20
